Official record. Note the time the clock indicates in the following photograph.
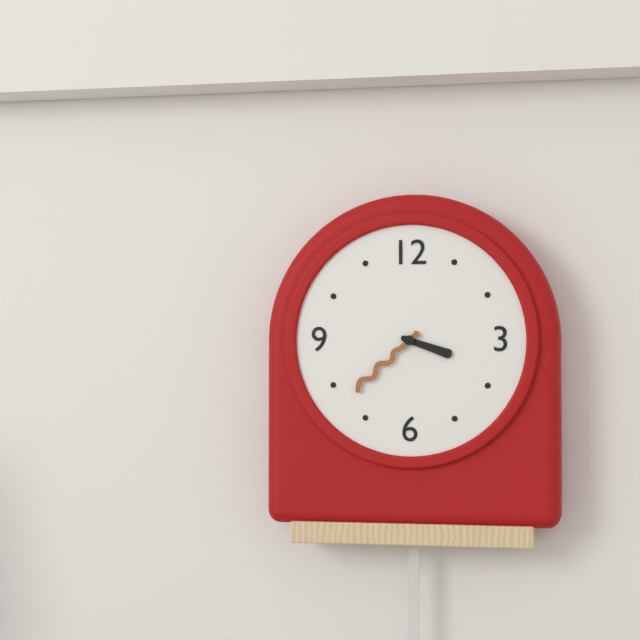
3:38
